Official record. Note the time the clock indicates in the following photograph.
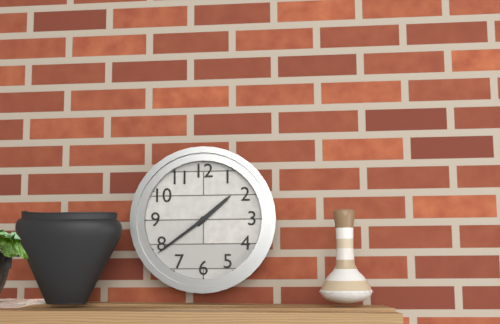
1:39
